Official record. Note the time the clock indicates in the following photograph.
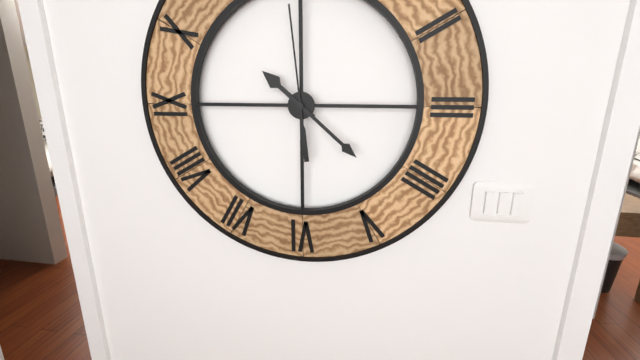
10:22:59
